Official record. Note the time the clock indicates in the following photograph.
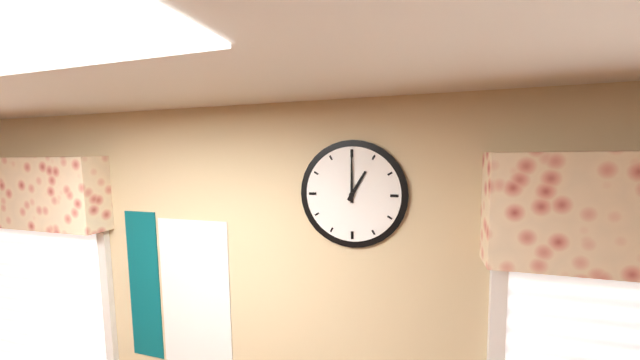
1:00
